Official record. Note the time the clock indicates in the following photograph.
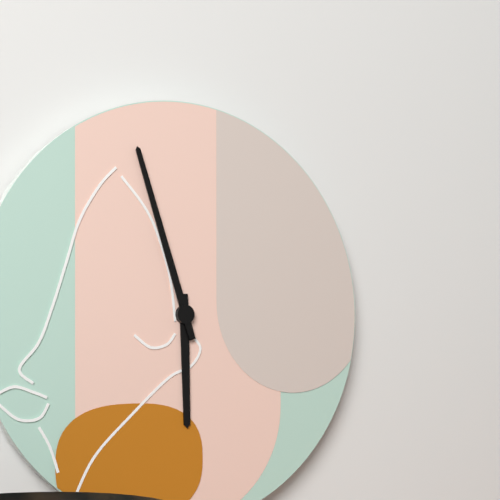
5:57
